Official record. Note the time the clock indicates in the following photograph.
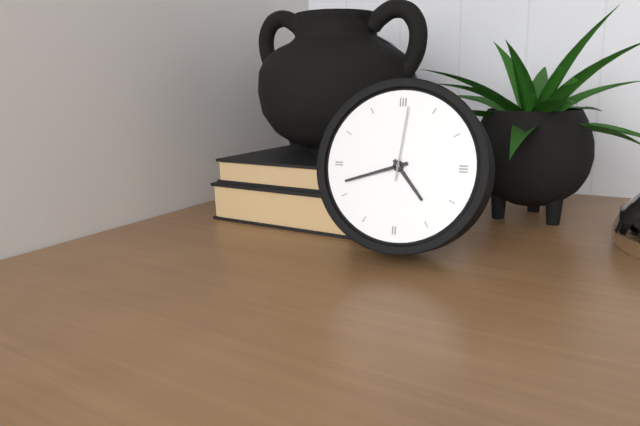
4:42:01
